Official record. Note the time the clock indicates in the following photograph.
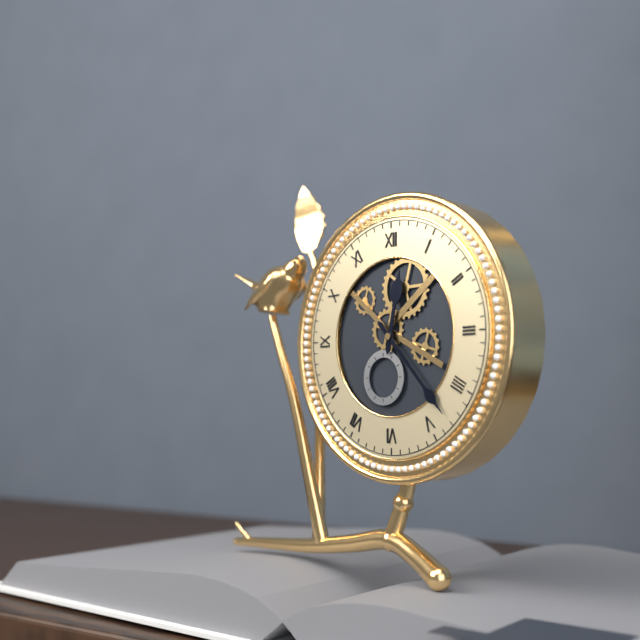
12:23
